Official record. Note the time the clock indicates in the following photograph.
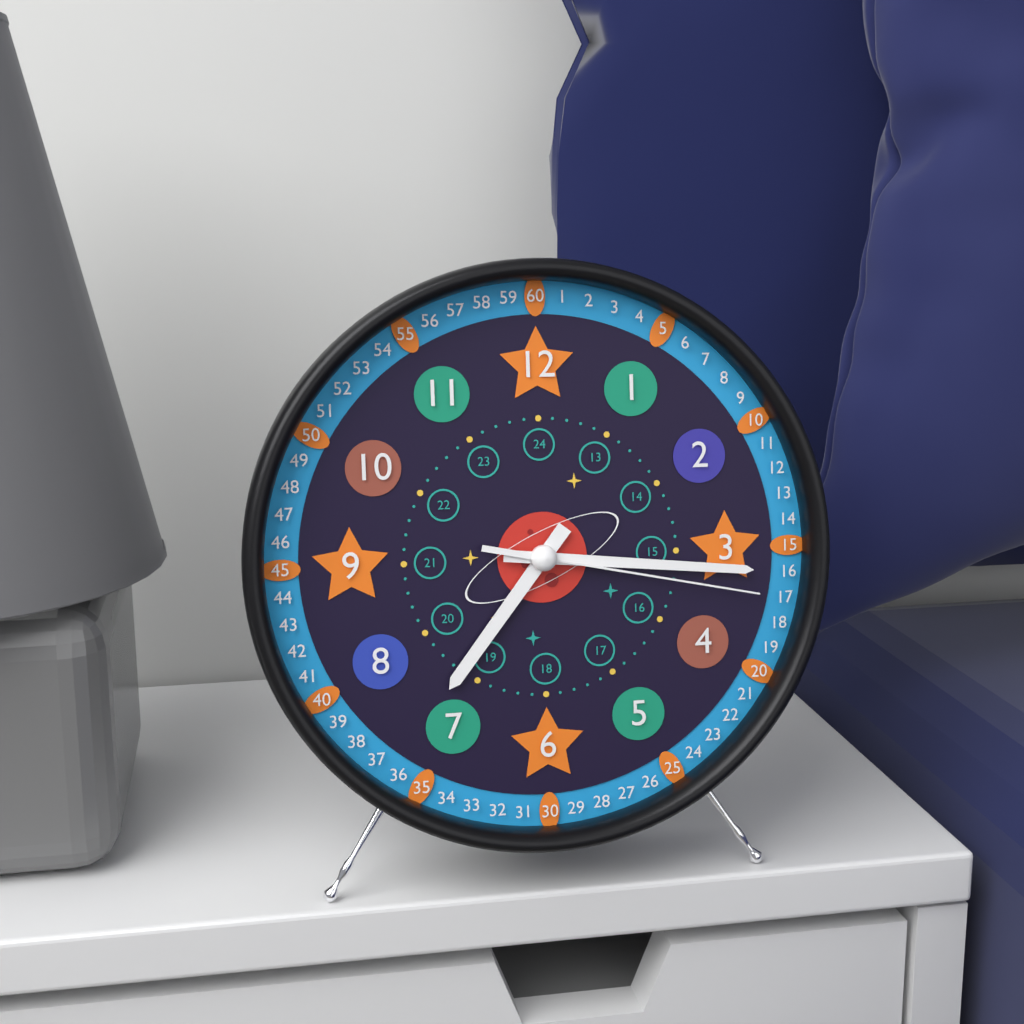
7:16:17
